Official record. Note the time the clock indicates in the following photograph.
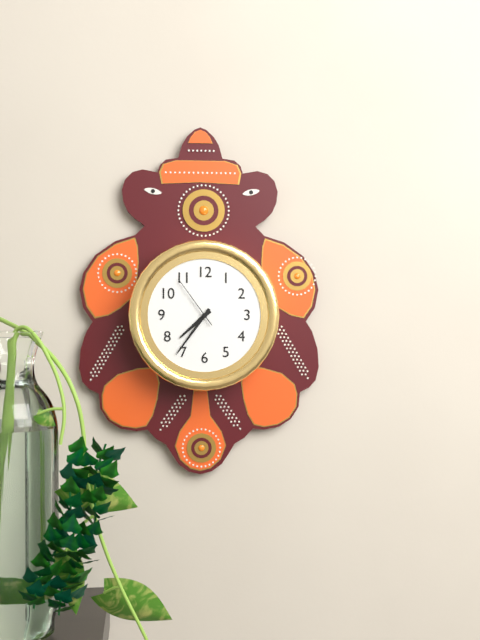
7:36:54
